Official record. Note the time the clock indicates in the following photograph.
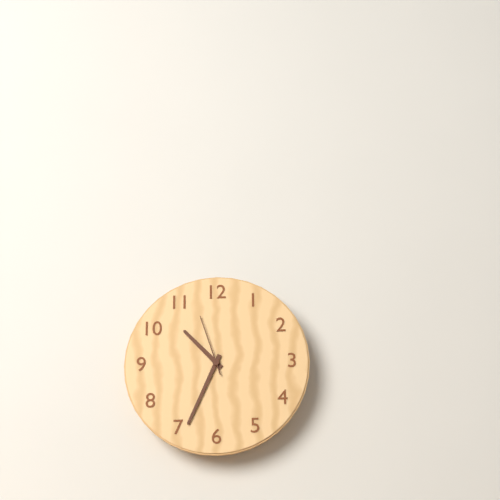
10:34:57
